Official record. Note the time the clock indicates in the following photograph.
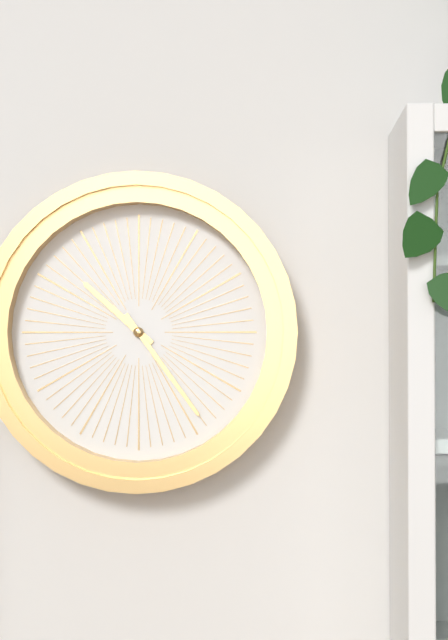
10:24
